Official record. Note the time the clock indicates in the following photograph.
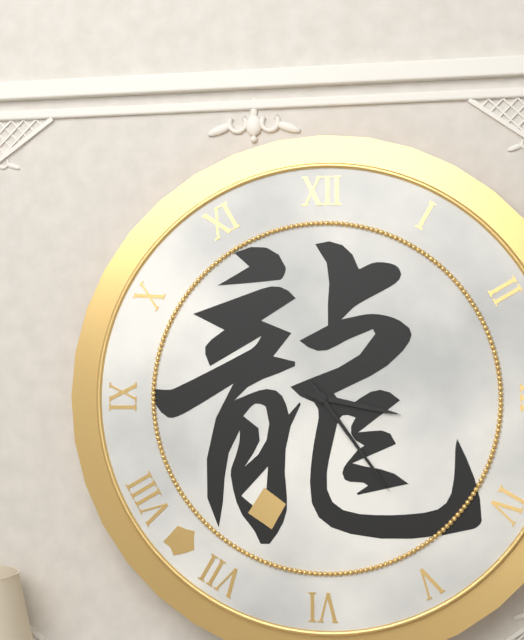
3:24
